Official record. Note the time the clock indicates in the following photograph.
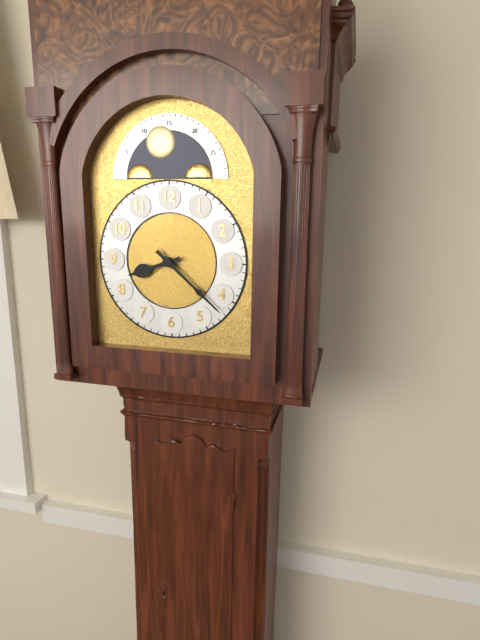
8:22
